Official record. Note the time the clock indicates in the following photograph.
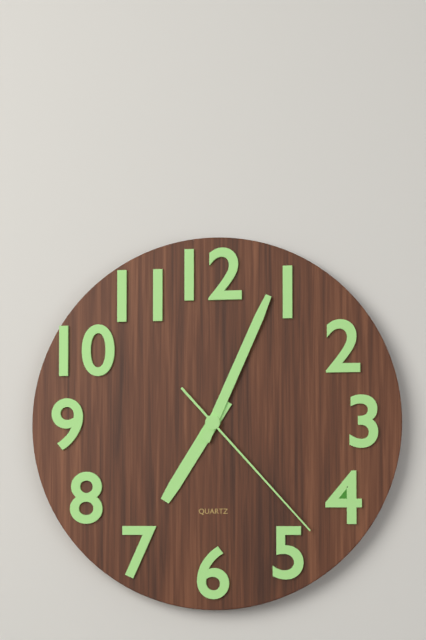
7:04:23
